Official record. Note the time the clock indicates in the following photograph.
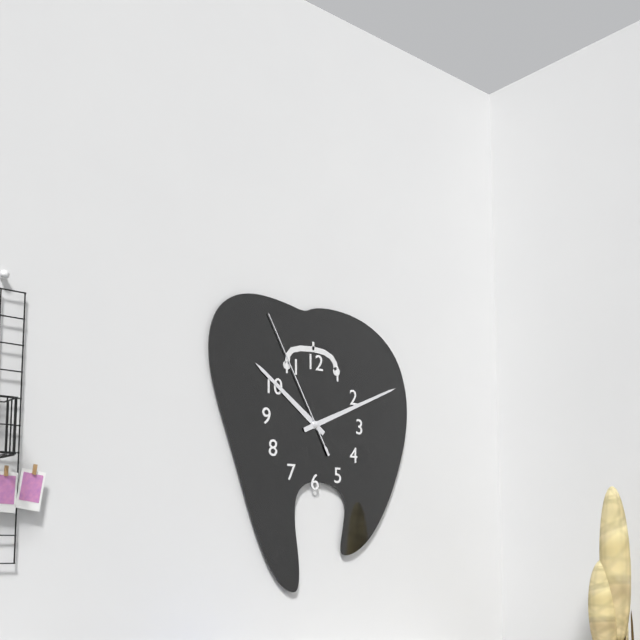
10:11:55
